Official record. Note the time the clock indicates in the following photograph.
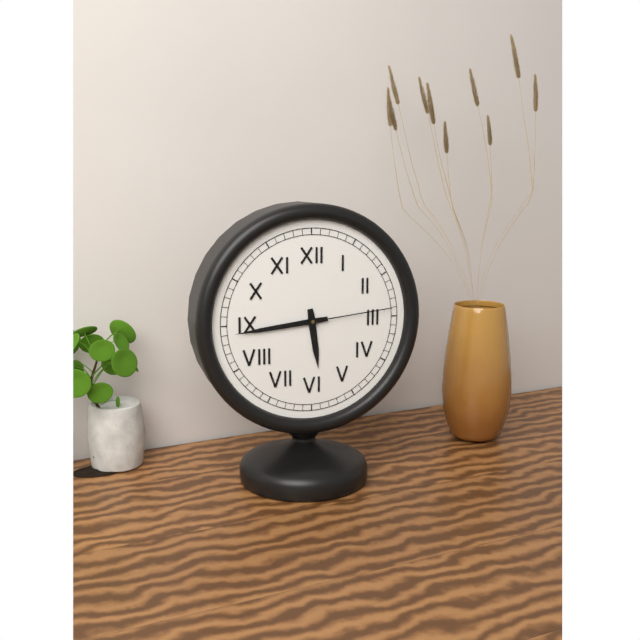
5:44:14
